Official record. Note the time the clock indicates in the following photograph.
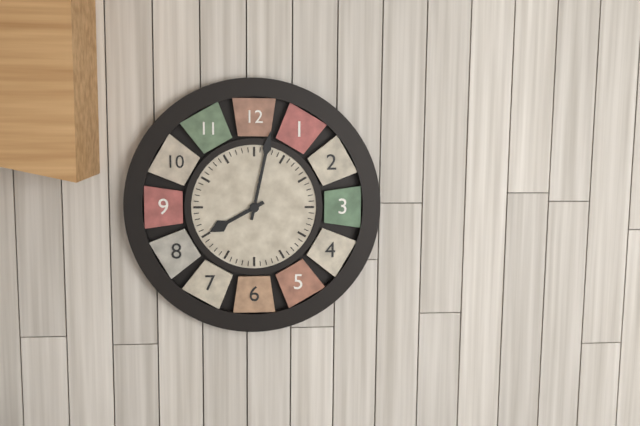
8:02
